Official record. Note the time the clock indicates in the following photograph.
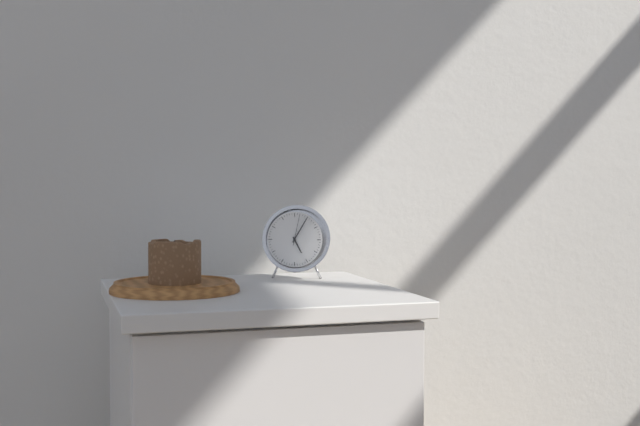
5:05
